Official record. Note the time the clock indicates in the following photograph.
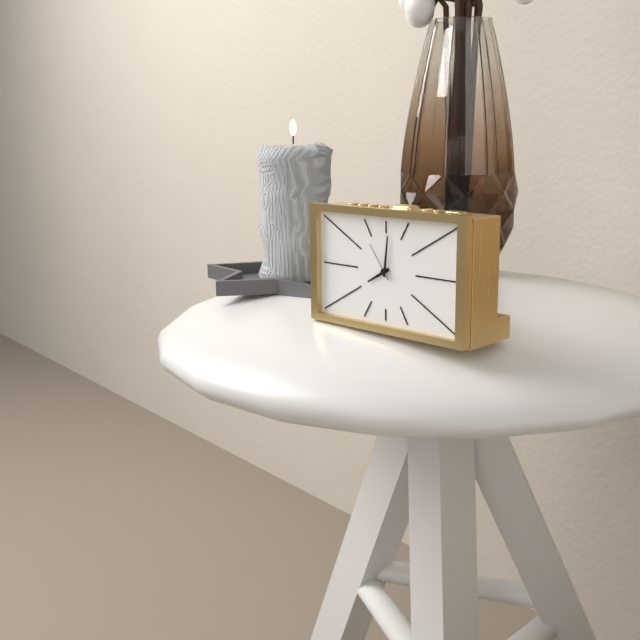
8:01
